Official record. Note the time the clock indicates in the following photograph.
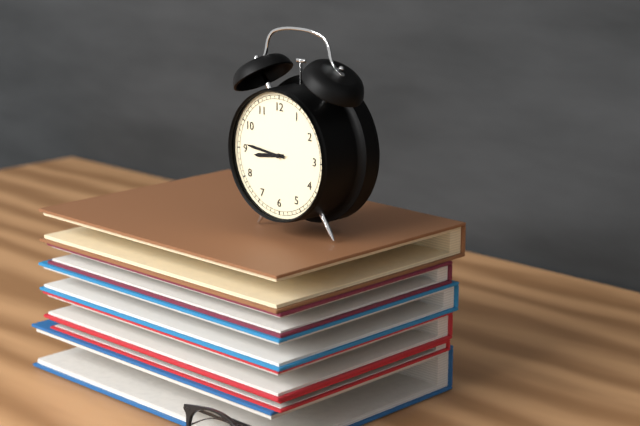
8:46
